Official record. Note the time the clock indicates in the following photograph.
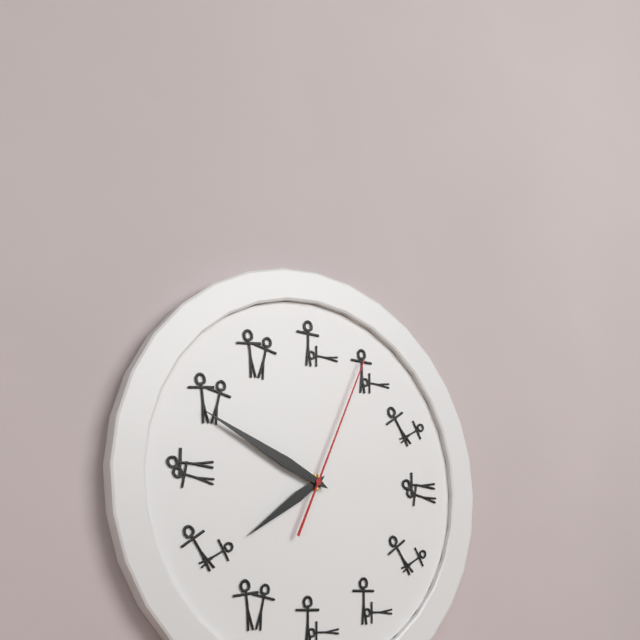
7:49:04
